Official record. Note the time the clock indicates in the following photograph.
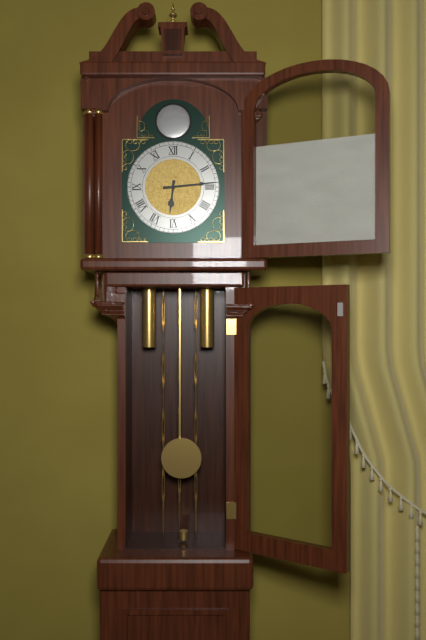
6:14
